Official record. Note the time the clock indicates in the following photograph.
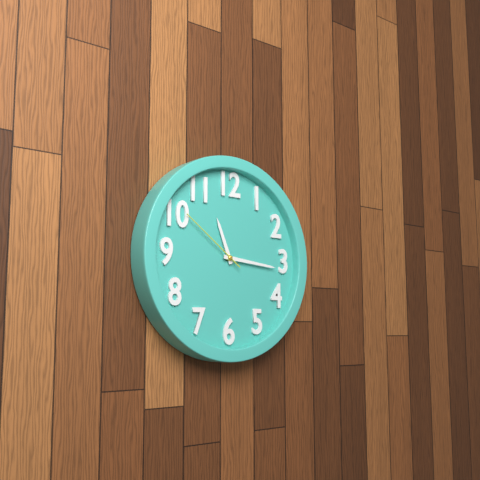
11:16:51
